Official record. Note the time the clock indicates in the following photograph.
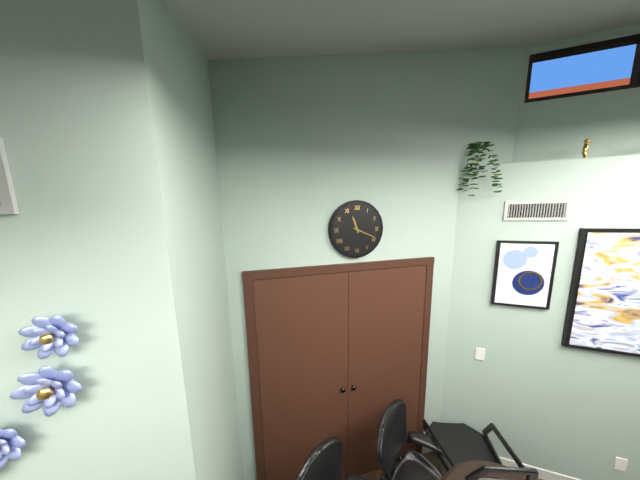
11:19
